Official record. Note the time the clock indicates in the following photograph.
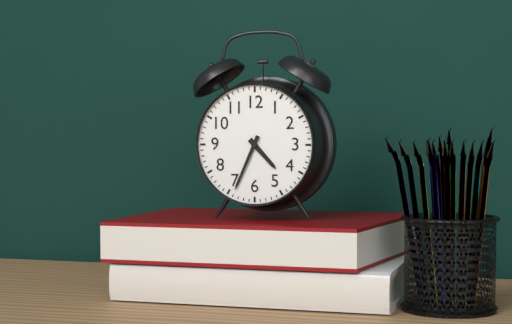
4:34
